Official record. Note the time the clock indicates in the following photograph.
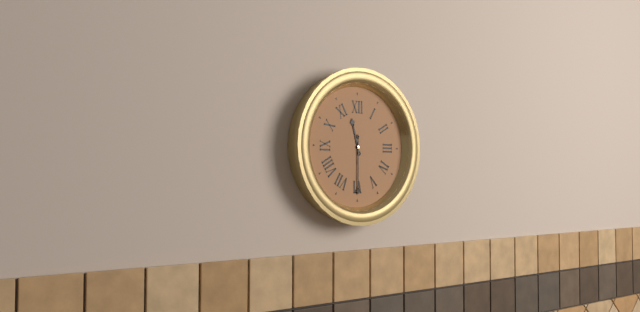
11:30
